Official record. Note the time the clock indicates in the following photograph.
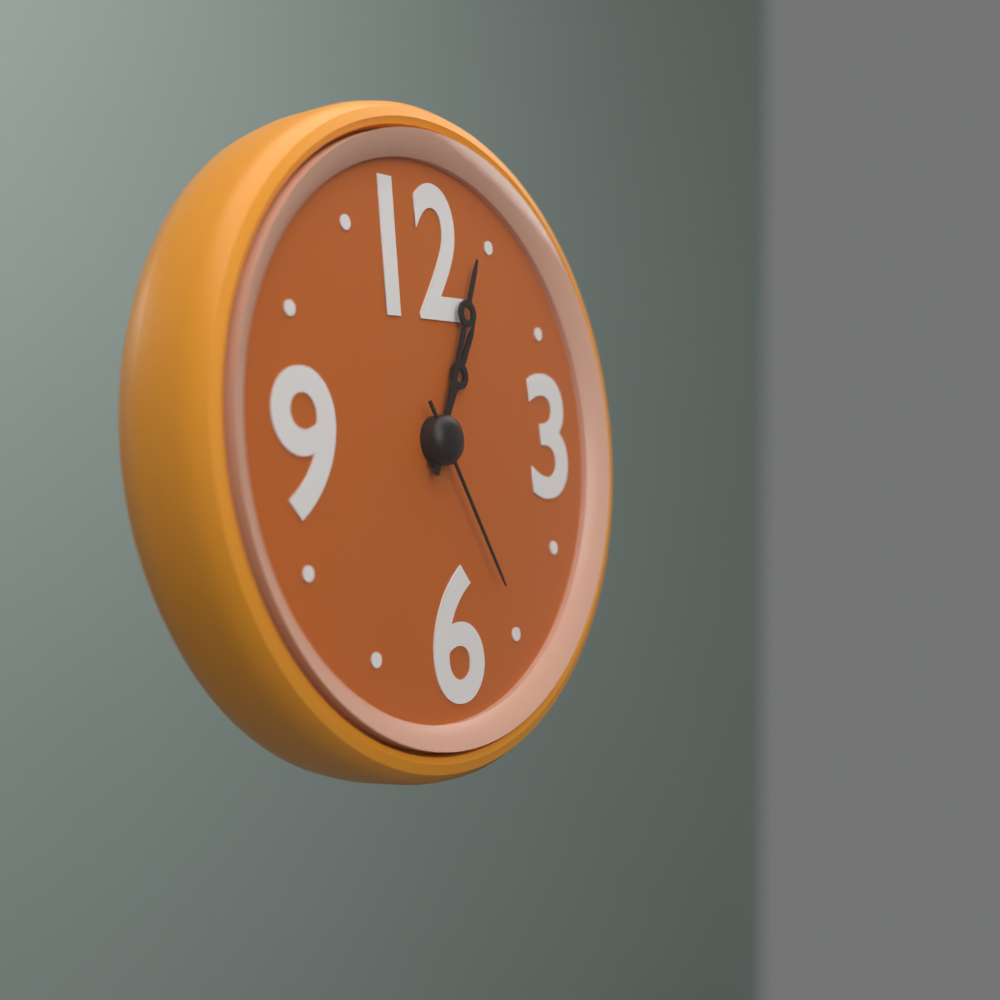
1:04:25
